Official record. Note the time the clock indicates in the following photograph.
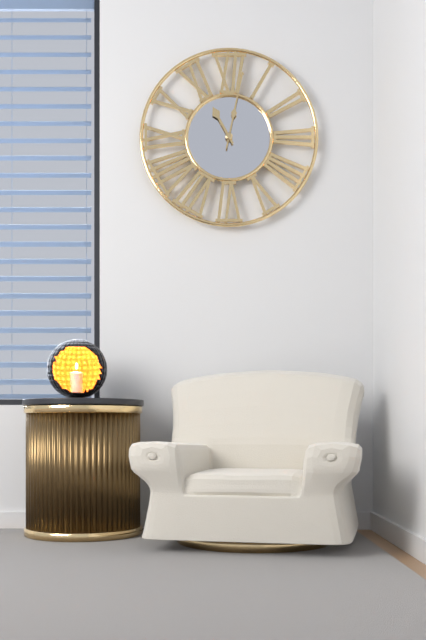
11:02
